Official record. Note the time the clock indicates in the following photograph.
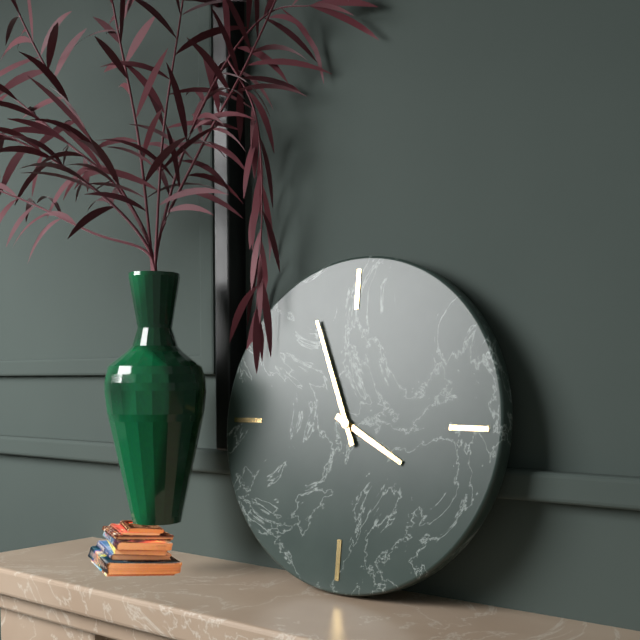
3:56
